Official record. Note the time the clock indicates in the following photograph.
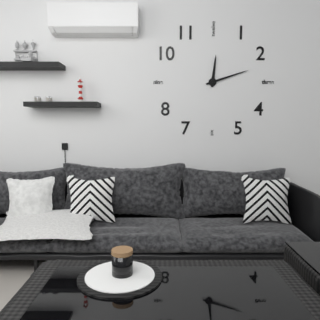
12:12
